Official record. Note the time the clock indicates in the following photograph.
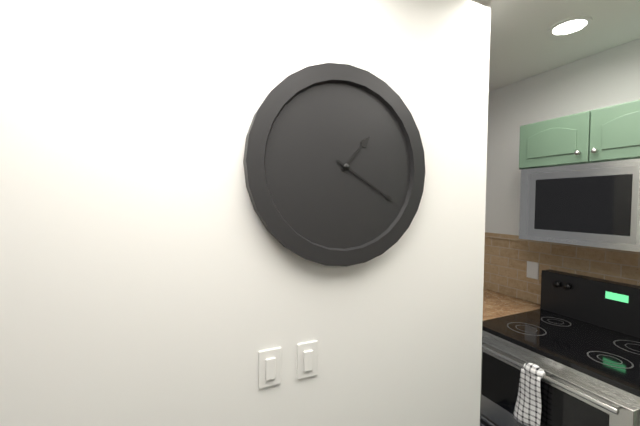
1:20
